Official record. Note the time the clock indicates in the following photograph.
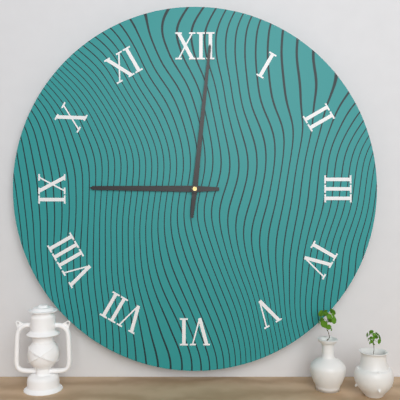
9:01
